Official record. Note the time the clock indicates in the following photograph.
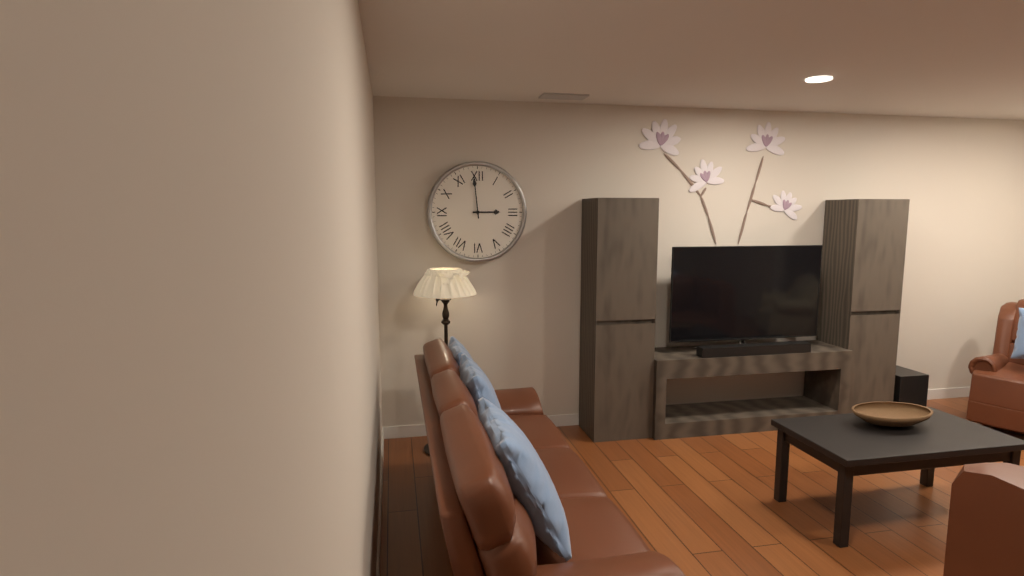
2:59
